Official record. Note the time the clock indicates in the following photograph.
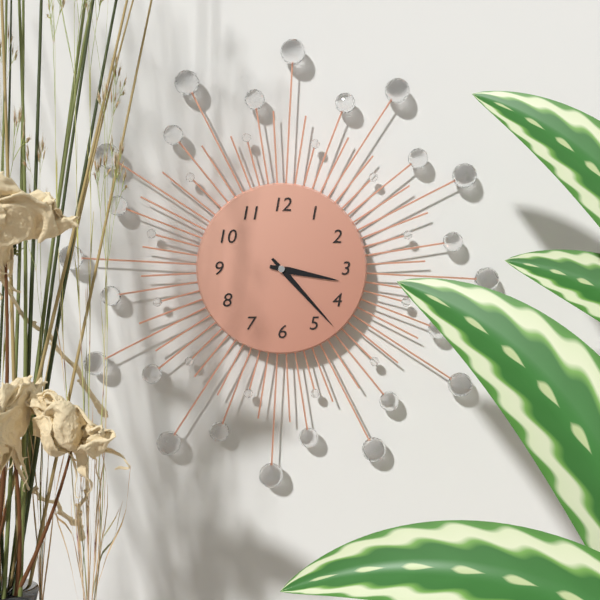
3:23
